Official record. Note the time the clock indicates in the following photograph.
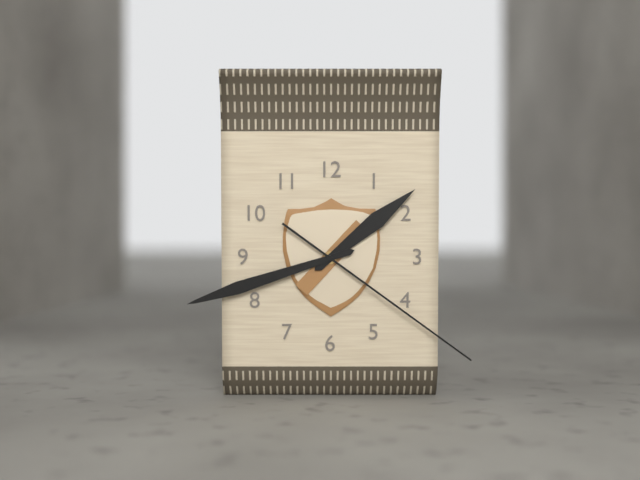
1:42:21
